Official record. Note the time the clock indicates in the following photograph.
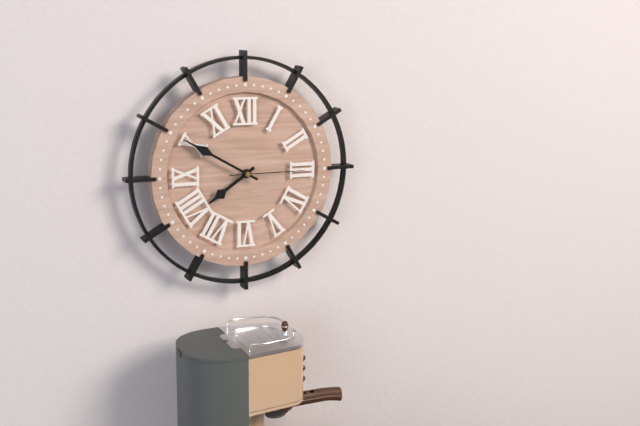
7:50:15
